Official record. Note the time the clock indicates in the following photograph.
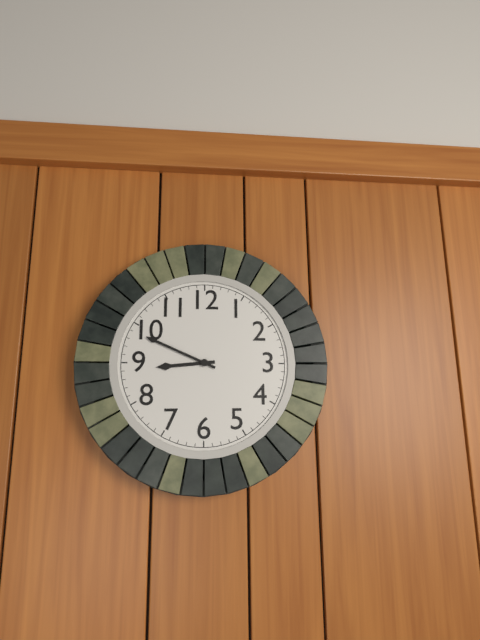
8:49
